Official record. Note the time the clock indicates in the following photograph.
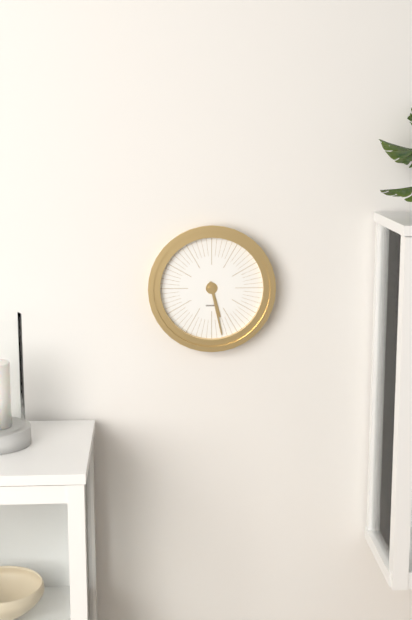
5:28
